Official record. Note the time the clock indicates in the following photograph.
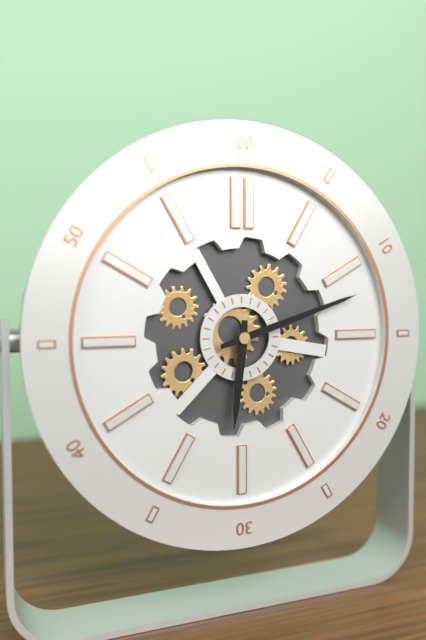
6:12
